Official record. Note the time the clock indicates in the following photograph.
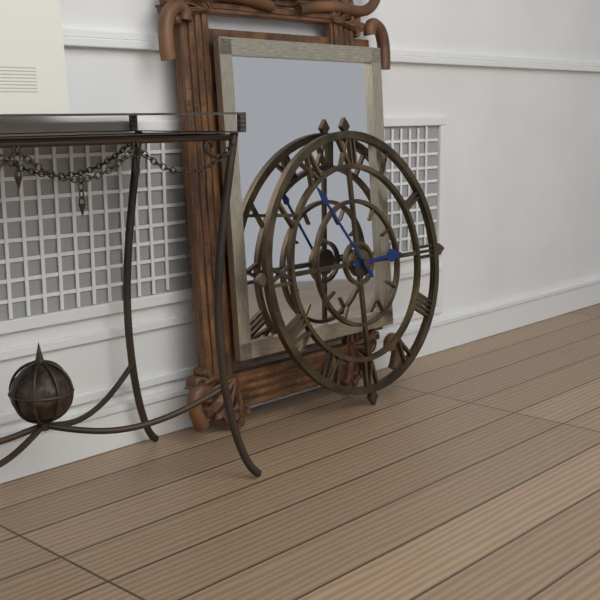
2:54
